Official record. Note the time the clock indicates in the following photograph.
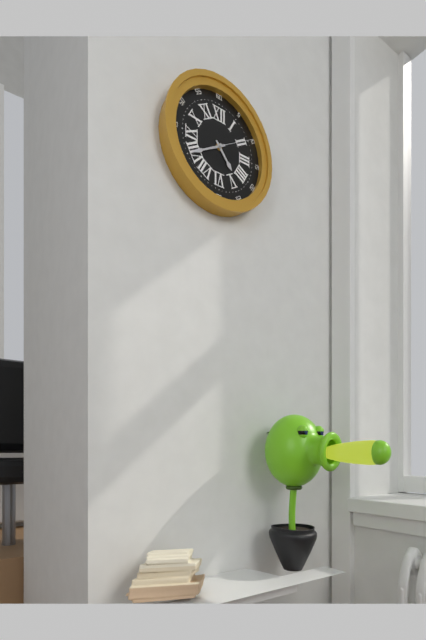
4:40
